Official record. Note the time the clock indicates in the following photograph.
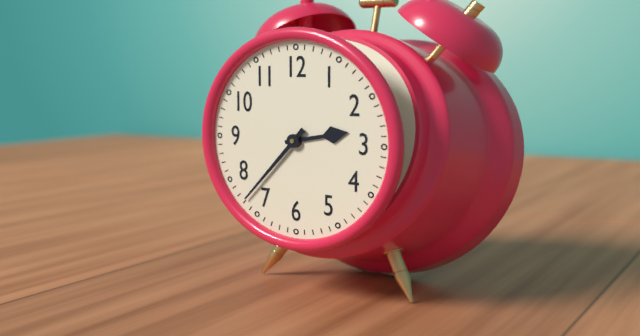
2:37
